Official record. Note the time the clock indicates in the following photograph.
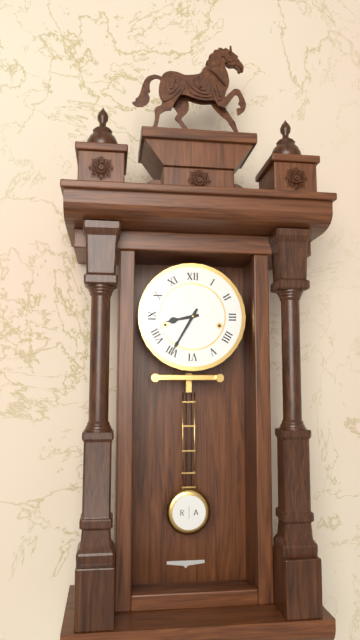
8:35
